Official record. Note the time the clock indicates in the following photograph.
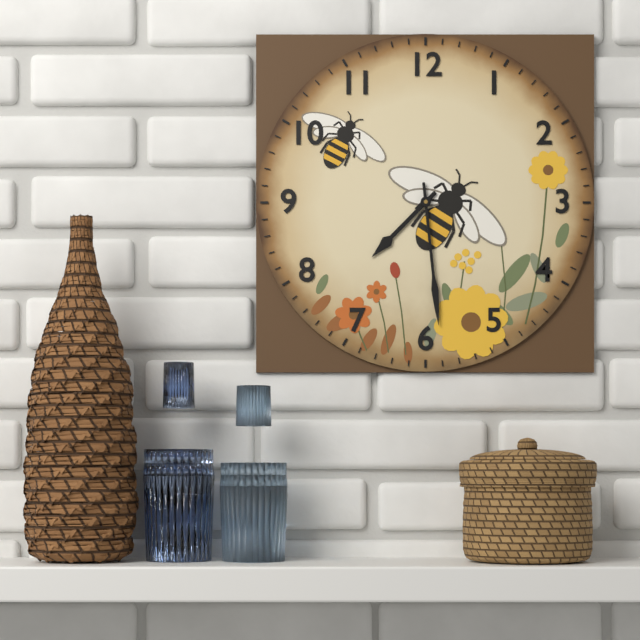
7:29
